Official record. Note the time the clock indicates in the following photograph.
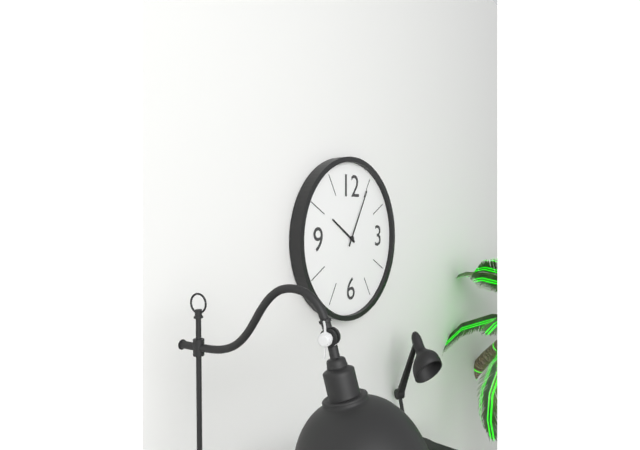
10:05
